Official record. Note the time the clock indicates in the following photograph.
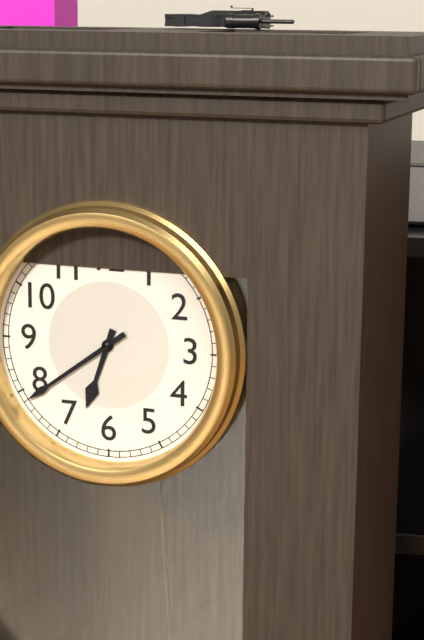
6:39
